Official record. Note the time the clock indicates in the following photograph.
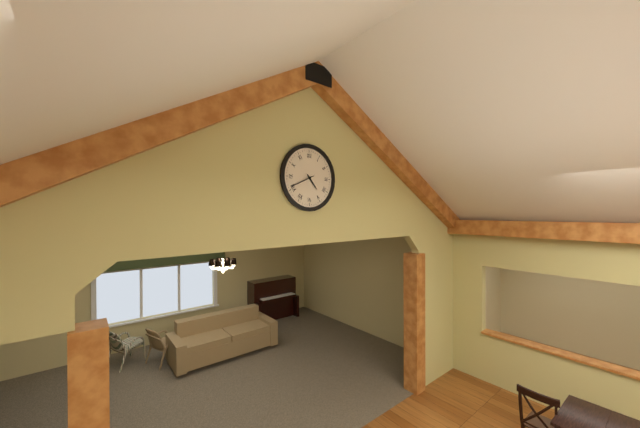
4:41
